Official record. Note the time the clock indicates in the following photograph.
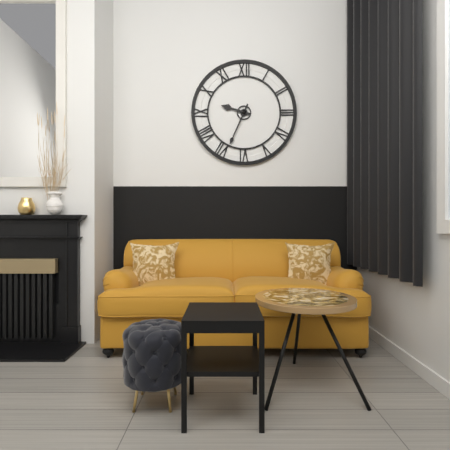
9:34
